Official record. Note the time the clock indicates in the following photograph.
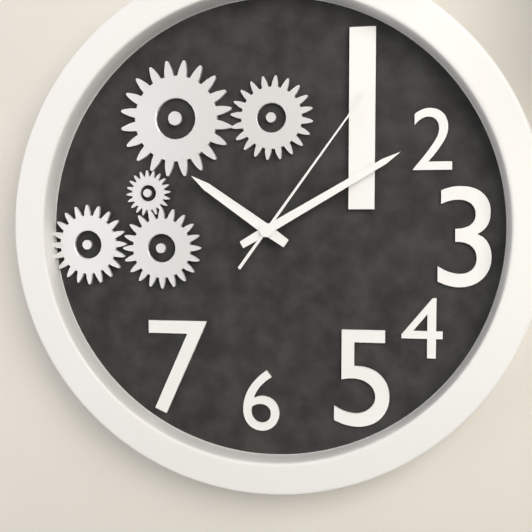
10:10:06
